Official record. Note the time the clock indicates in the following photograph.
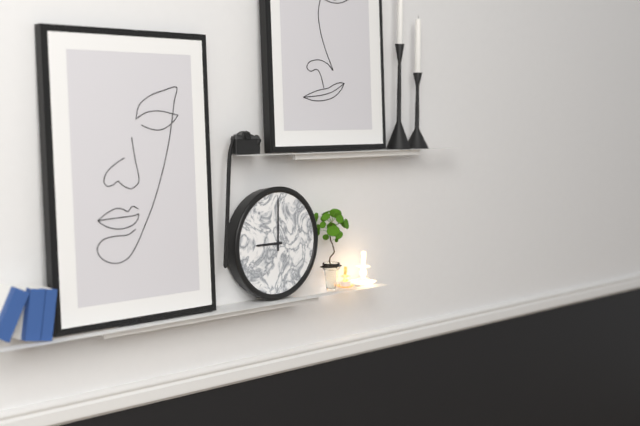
9:00
